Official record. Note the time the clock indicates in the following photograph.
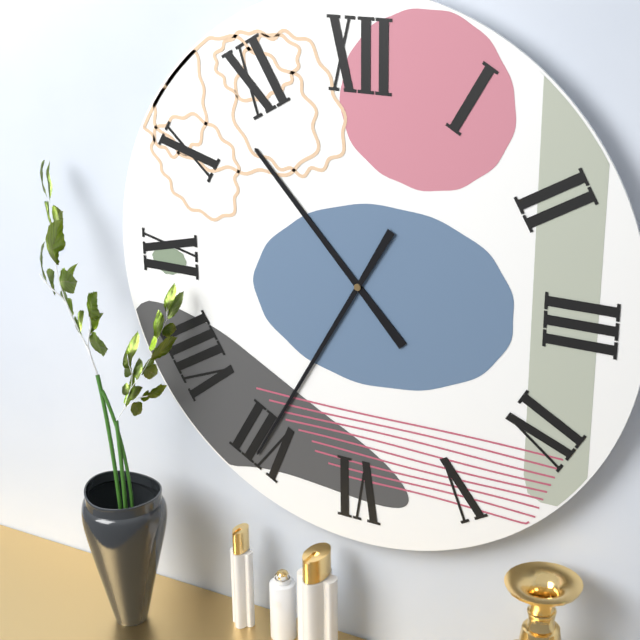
10:35
